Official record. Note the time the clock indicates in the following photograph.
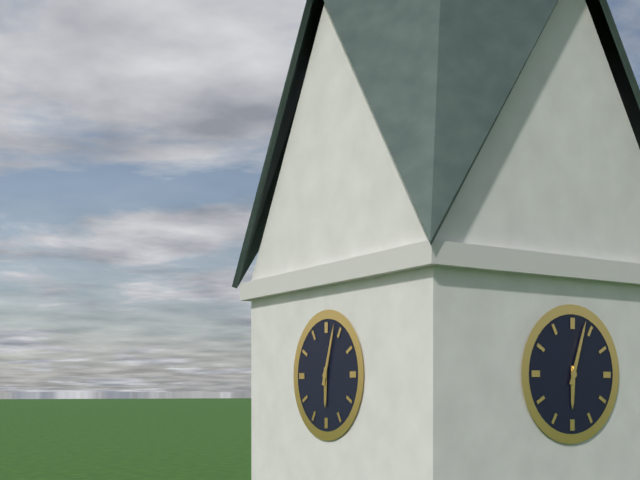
6:03
